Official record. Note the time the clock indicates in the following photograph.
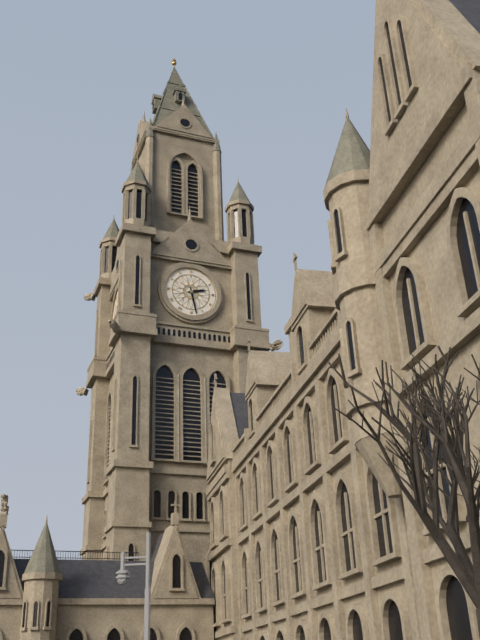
2:28
